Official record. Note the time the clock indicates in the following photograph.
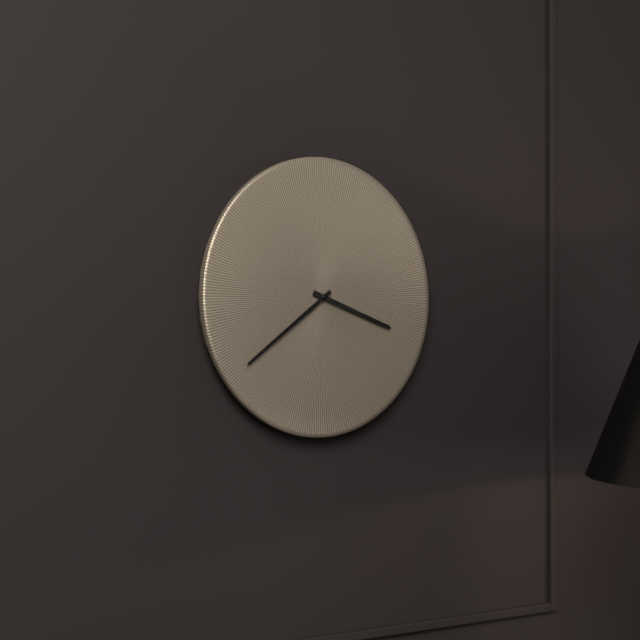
3:39
